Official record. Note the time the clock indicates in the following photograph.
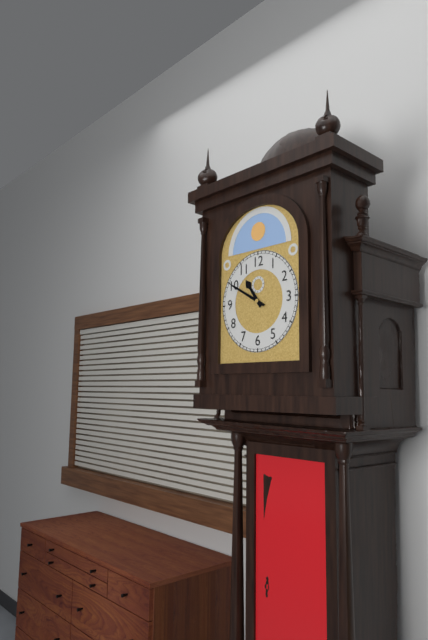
10:50
